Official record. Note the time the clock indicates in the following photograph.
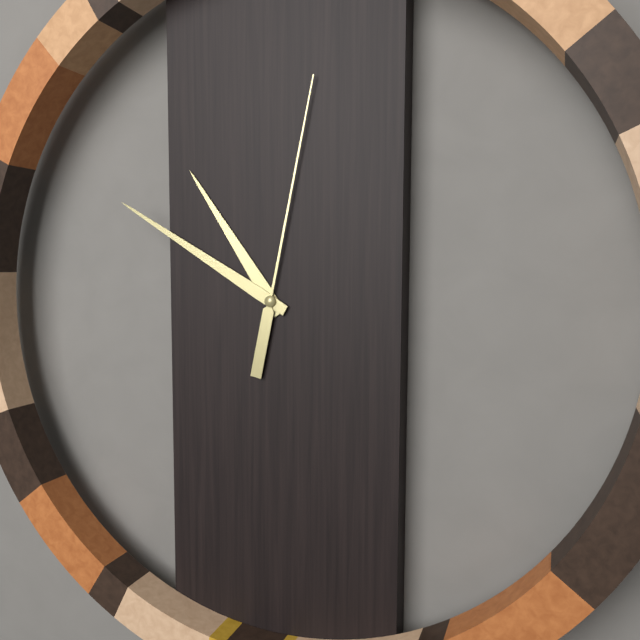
10:50:02
